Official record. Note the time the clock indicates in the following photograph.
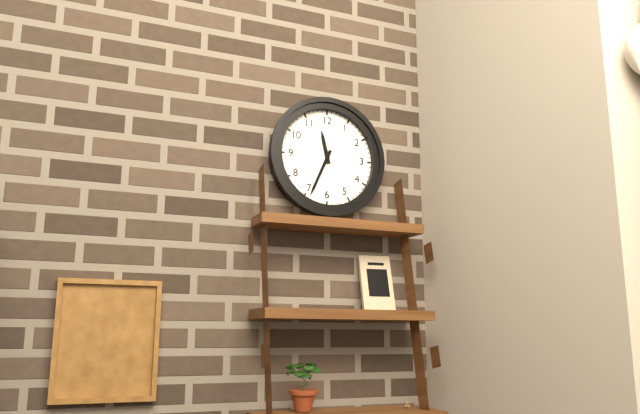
11:34
